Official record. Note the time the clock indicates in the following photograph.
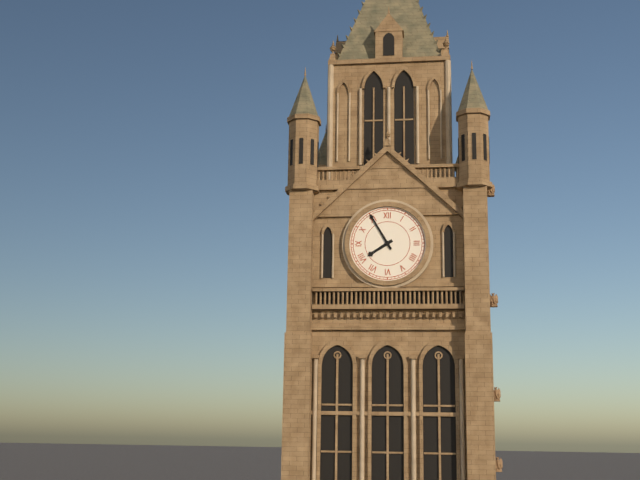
7:55
